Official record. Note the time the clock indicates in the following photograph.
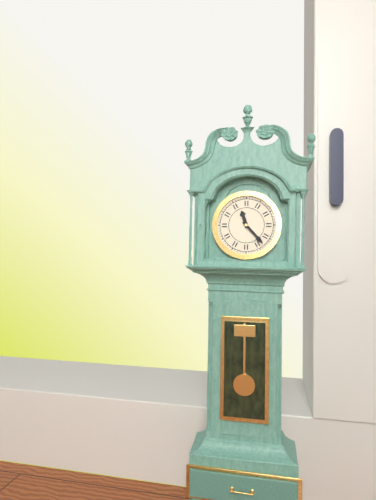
11:23
